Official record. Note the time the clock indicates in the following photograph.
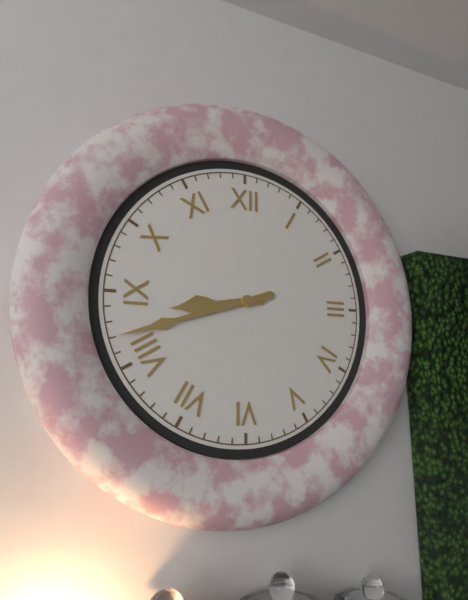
8:42
